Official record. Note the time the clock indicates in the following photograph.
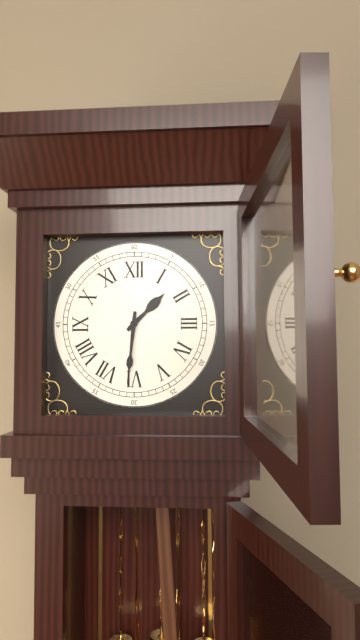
1:31
